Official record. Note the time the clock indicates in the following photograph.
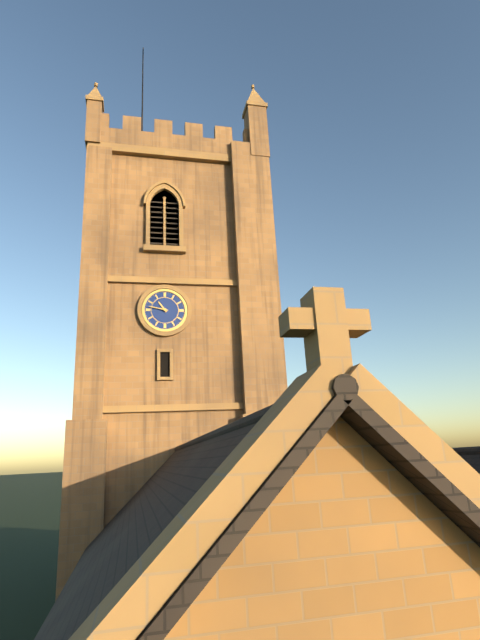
10:47
